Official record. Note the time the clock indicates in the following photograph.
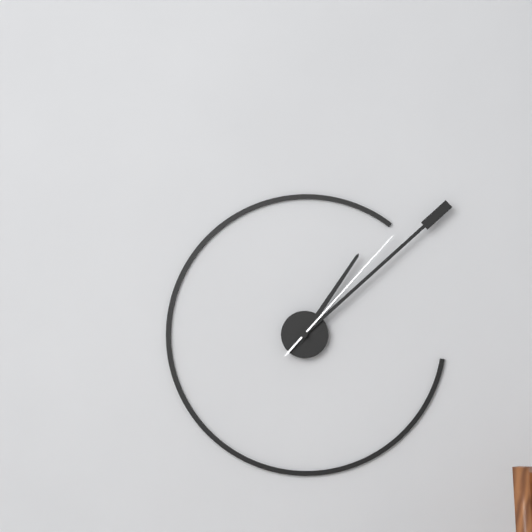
1:08:07
